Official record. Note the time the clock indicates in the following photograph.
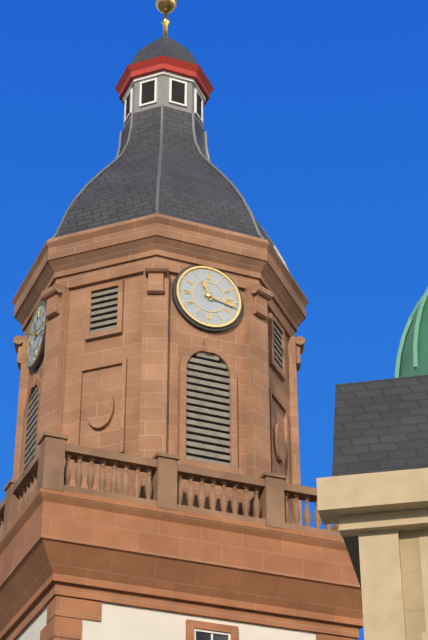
11:17
